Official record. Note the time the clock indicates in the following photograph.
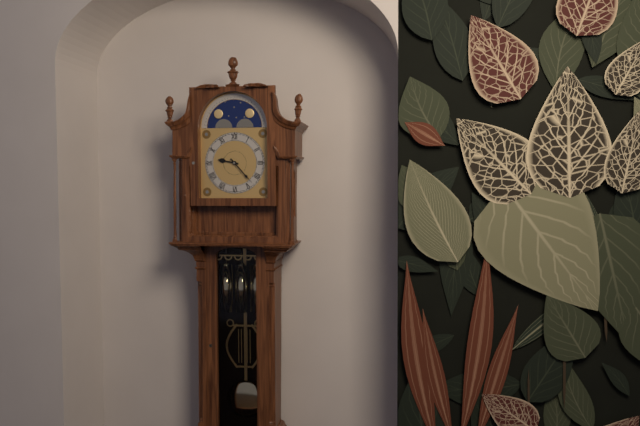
9:23
